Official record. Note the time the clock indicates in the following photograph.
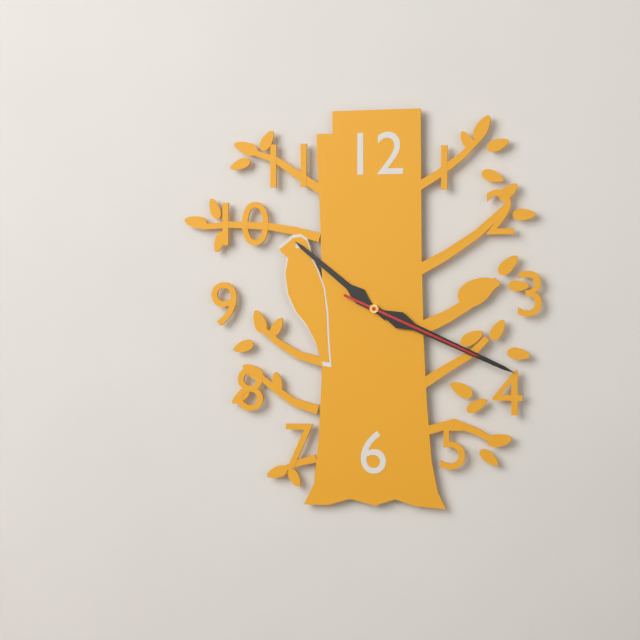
10:19:19
